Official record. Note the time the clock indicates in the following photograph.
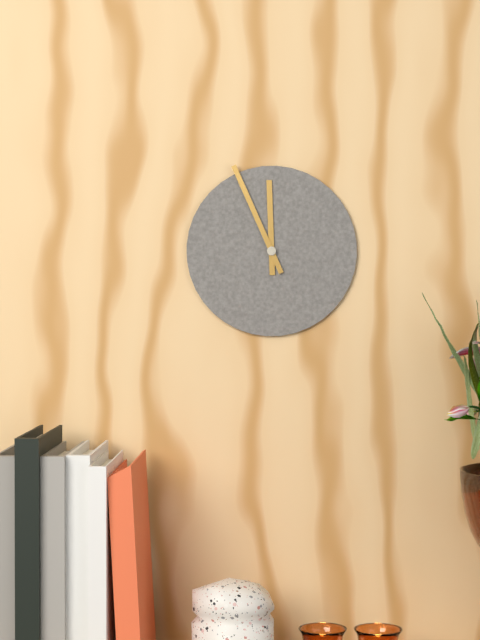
11:56
